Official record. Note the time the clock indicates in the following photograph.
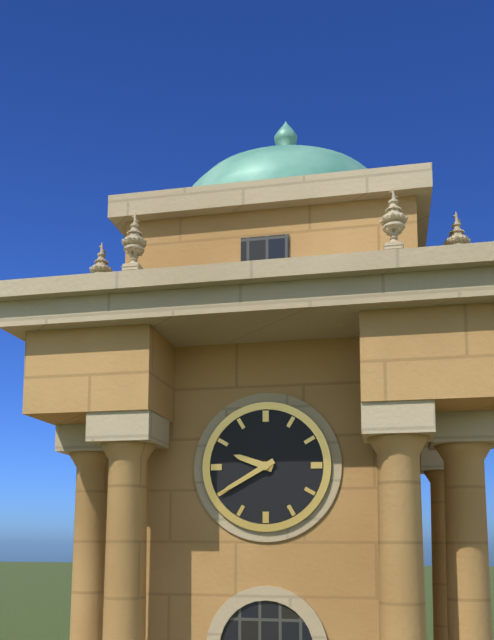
9:40
